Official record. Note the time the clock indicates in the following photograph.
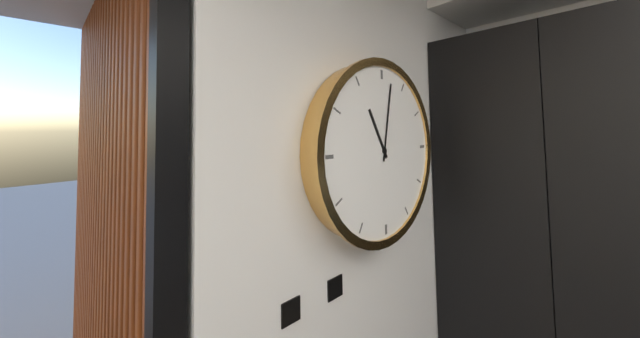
11:02
